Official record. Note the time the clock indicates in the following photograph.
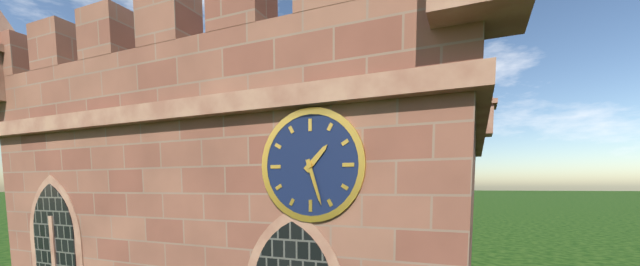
1:27
